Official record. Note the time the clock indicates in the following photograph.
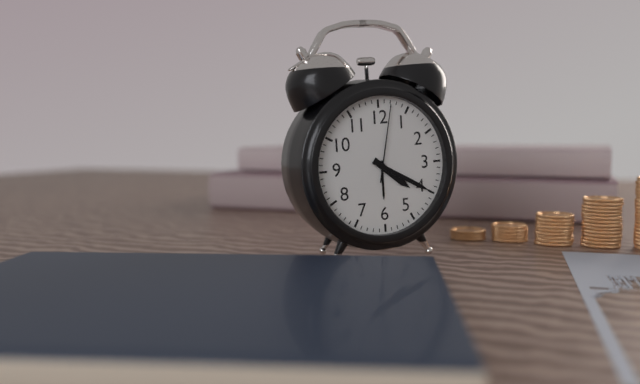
4:20:02
